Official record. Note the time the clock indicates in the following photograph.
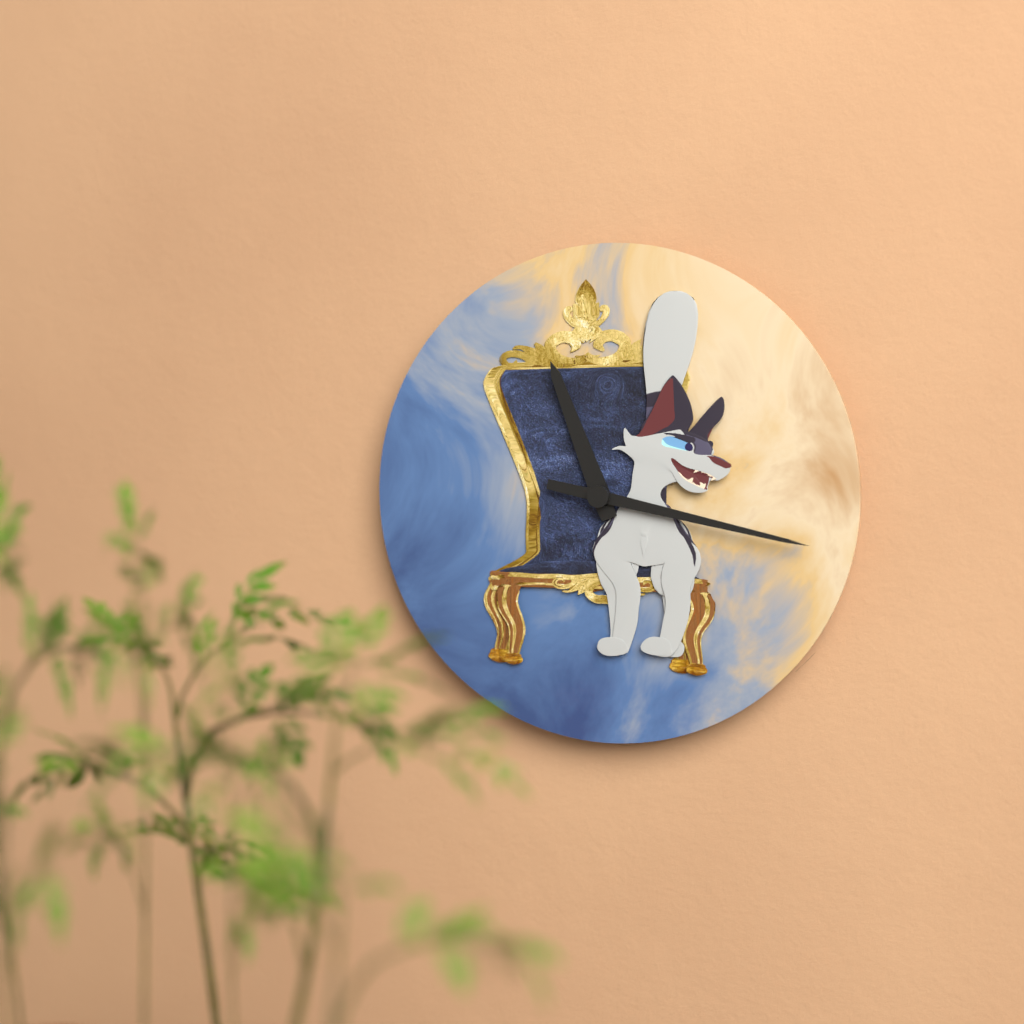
11:17
